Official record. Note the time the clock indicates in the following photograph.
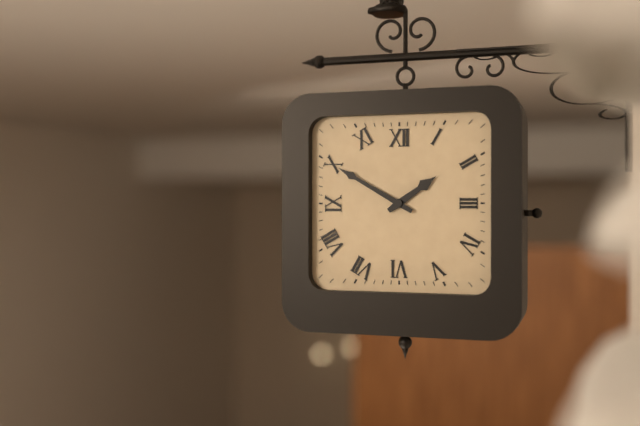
1:50
